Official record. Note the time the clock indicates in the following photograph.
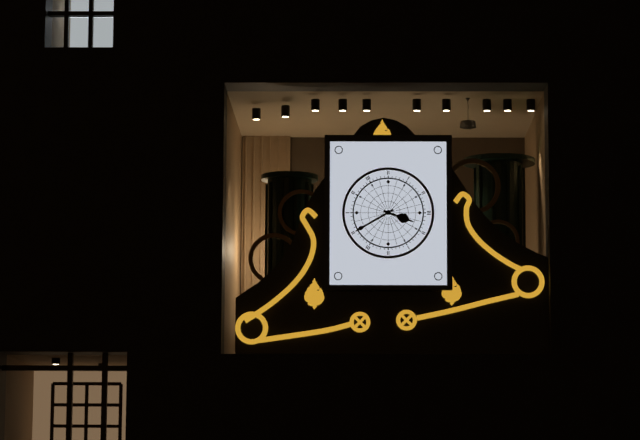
3:40
